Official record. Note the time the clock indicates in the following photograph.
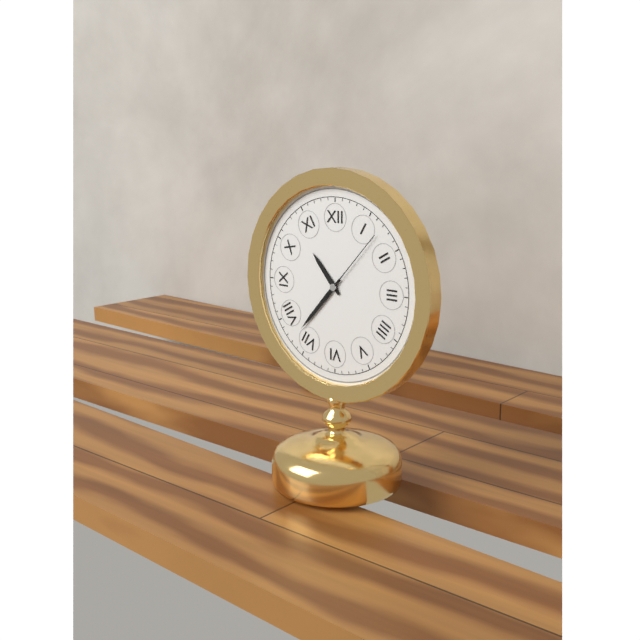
10:37:07
